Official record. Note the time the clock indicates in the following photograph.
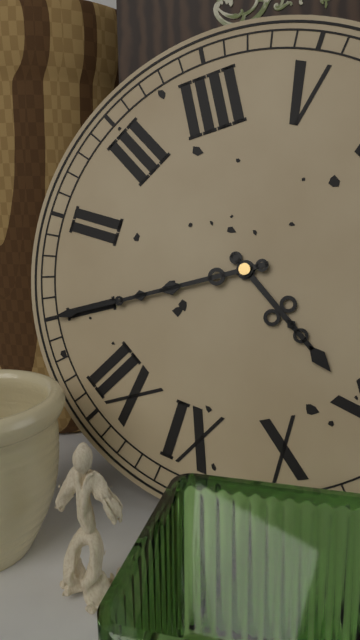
9:05
